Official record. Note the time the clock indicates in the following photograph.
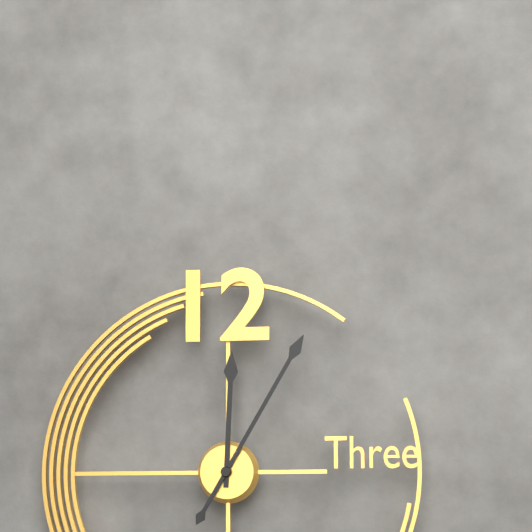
12:05
